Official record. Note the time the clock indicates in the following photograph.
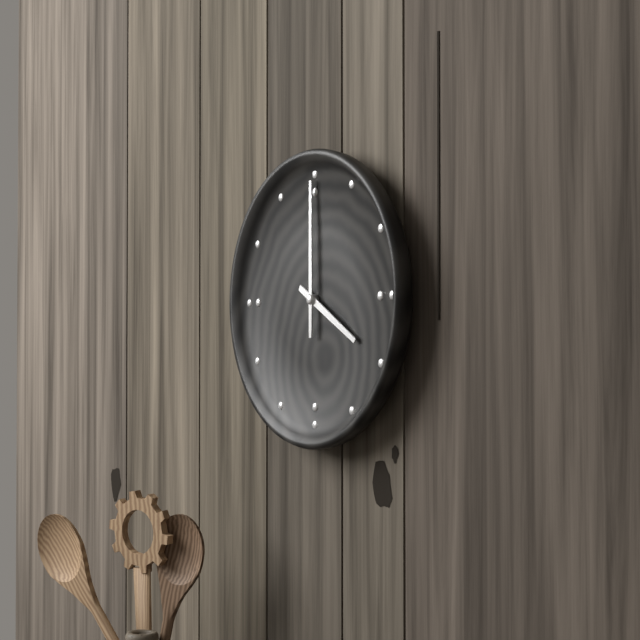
4:00
